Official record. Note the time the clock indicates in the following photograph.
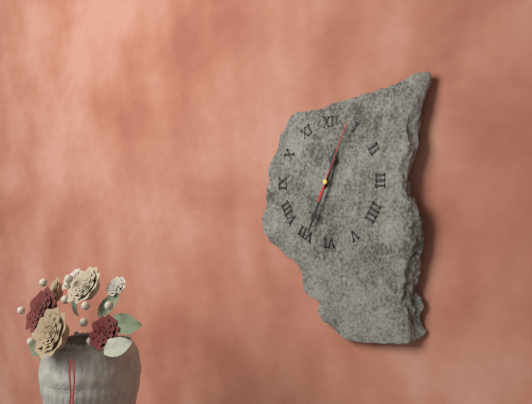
12:34:04
